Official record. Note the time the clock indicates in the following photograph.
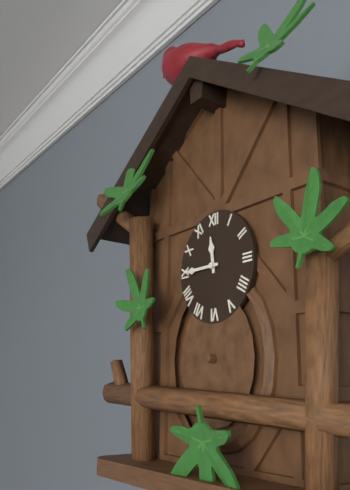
11:45
